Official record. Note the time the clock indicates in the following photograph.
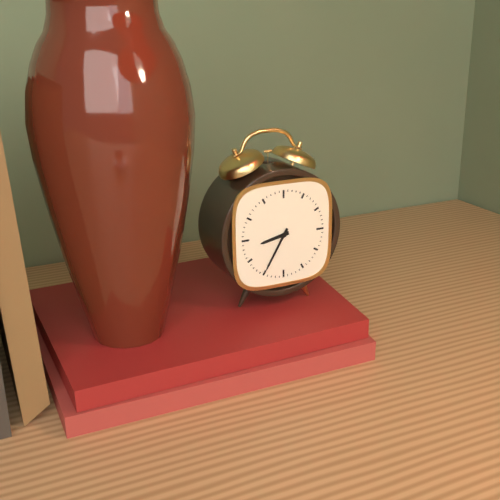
8:35
